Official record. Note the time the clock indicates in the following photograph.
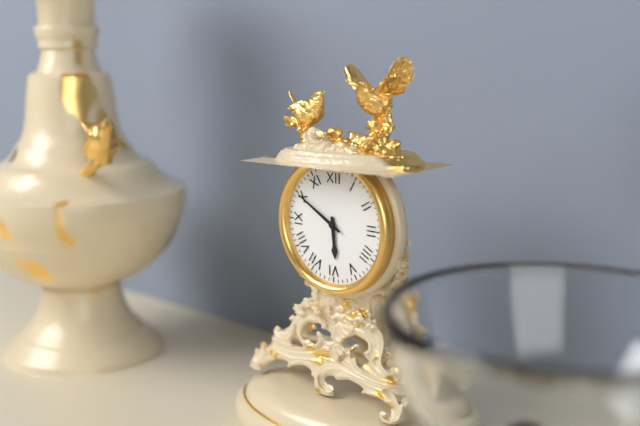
5:50
